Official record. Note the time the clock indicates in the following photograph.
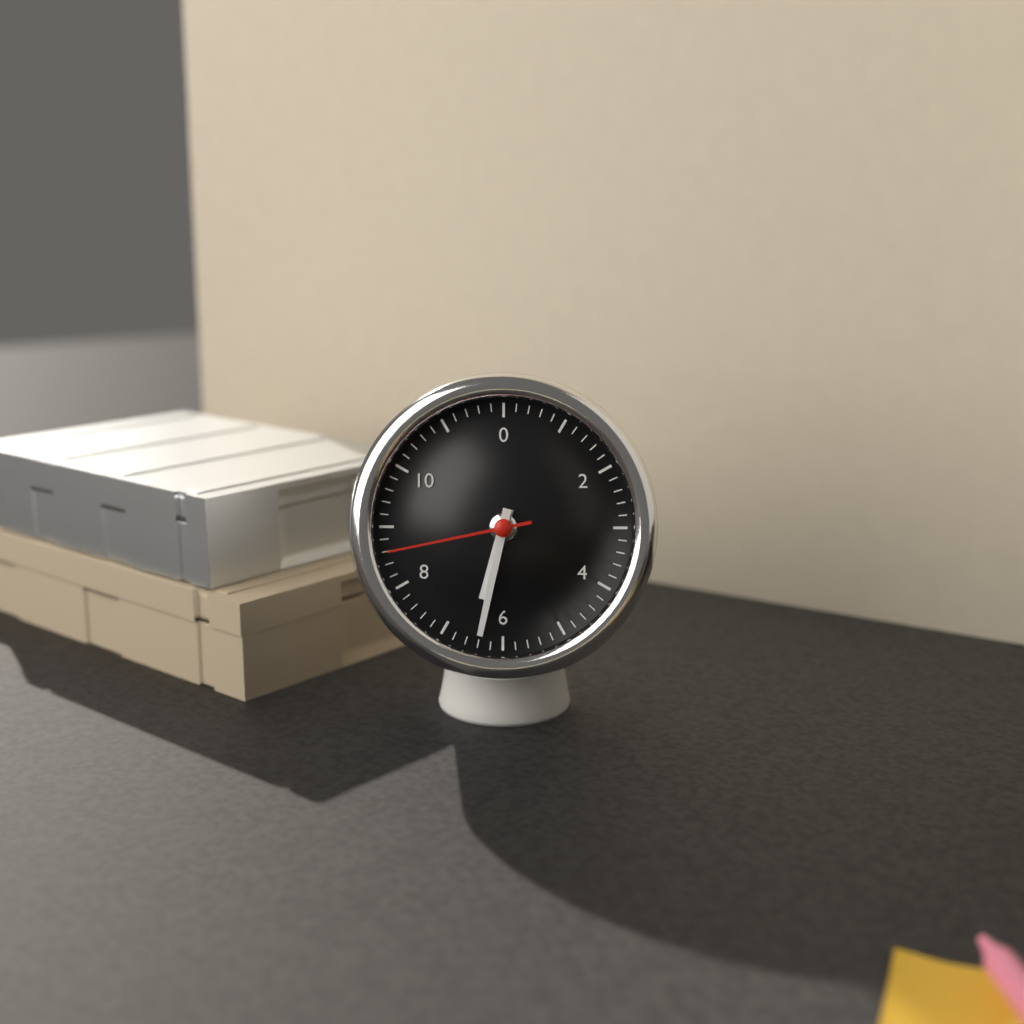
6:32:43
